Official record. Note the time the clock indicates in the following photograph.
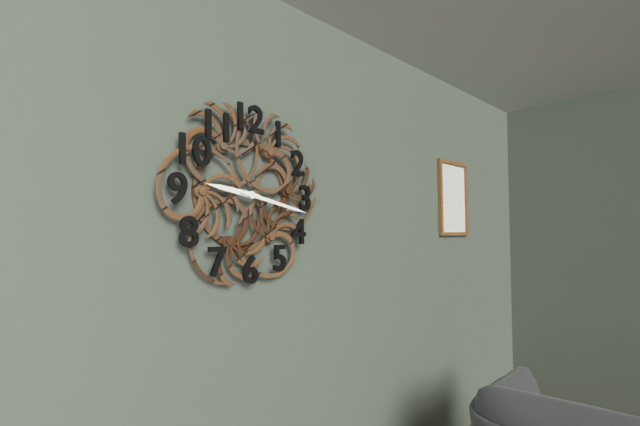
9:17
